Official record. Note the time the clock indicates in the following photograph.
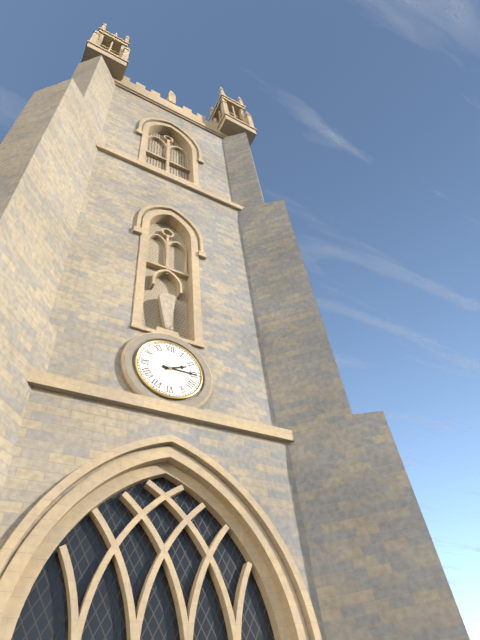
2:15
